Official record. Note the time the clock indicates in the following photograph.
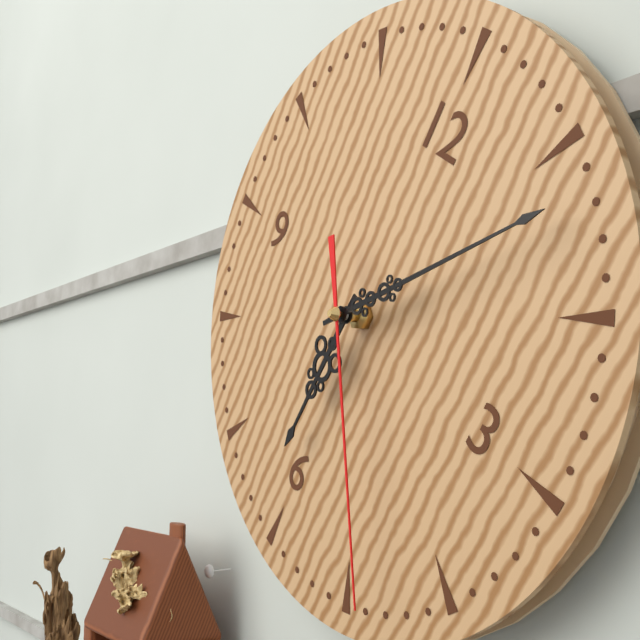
6:07:23
